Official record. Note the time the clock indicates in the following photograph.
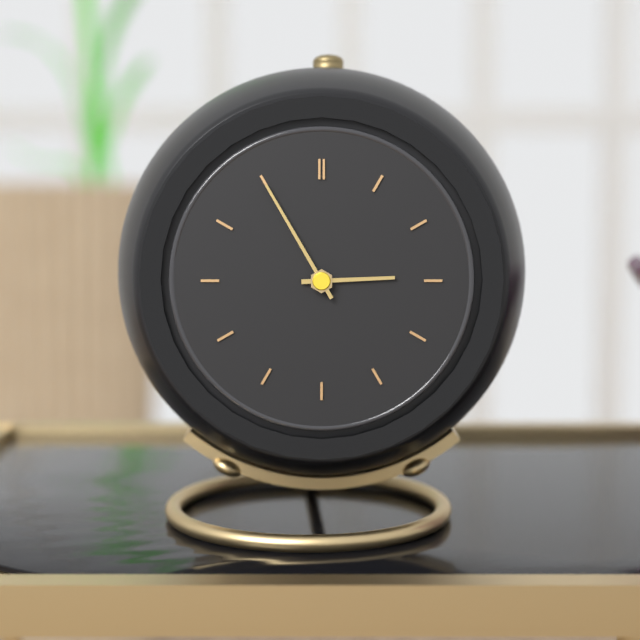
2:55
